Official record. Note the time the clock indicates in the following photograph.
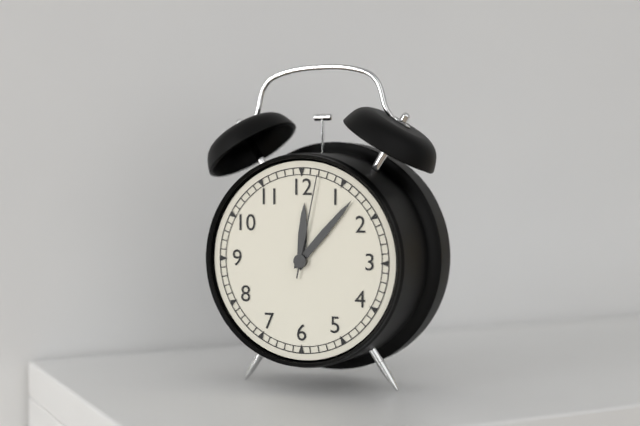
12:07:02
